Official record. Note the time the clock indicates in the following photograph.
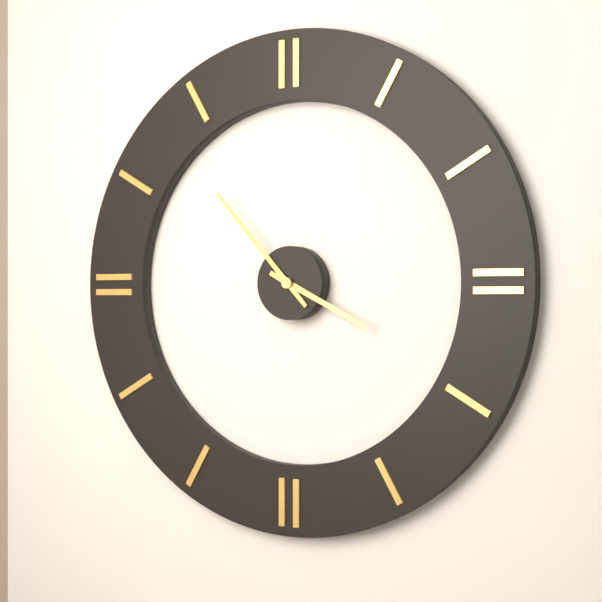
3:53
